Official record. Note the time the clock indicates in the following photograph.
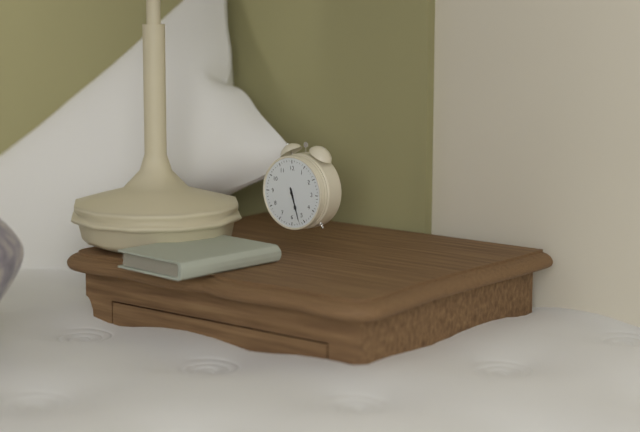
5:27
